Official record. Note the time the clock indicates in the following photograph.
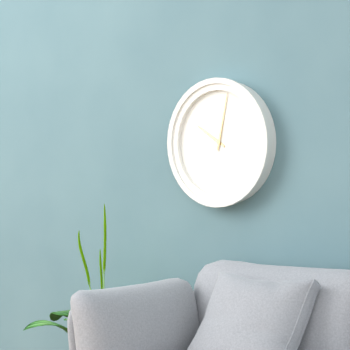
10:02
